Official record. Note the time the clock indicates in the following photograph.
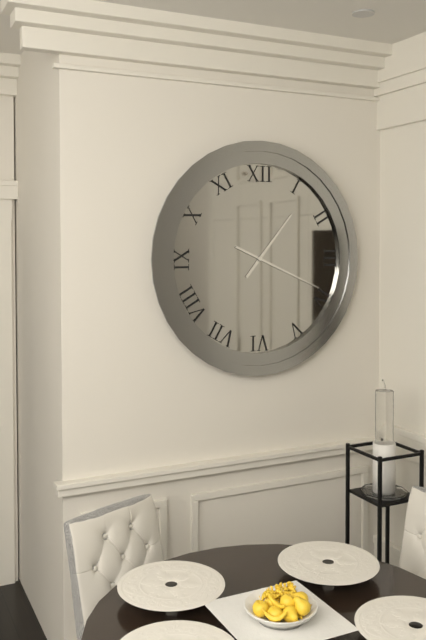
1:19
